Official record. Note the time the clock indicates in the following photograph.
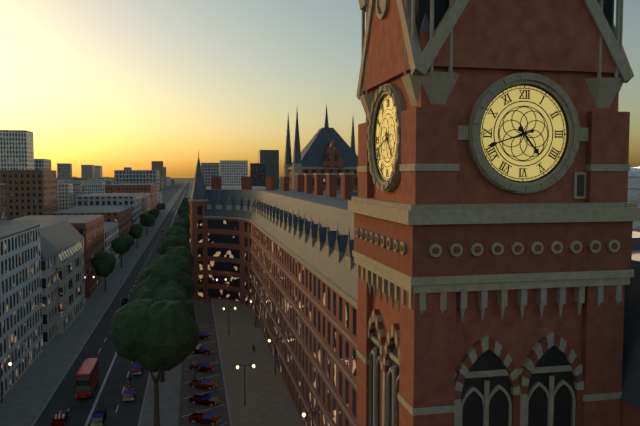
4:42
